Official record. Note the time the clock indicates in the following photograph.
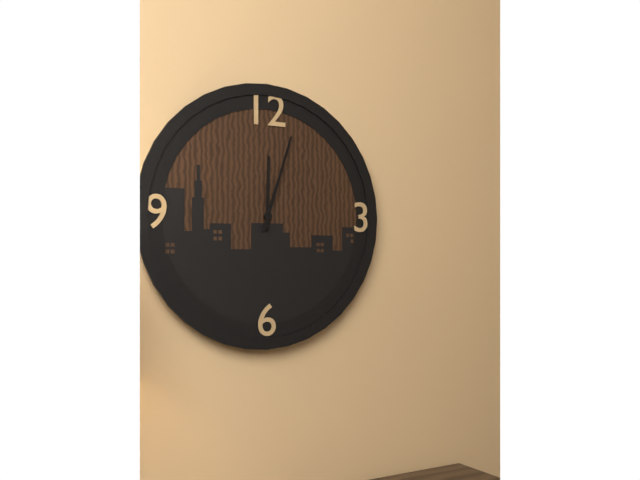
12:03
